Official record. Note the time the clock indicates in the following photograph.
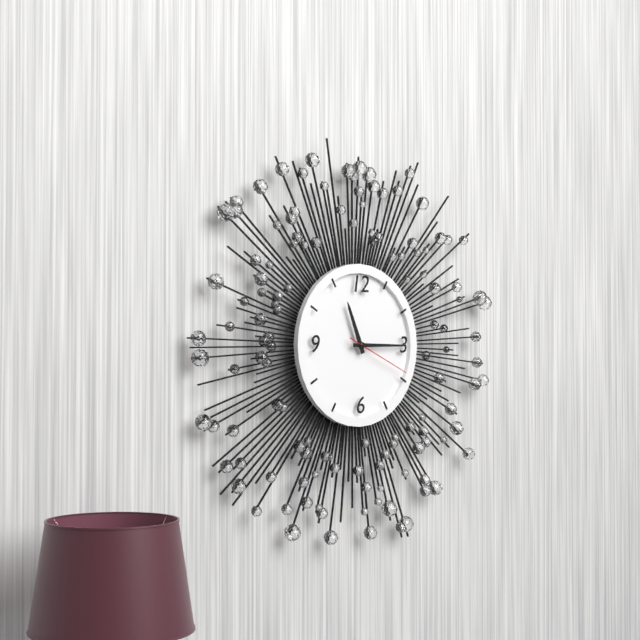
11:15:19
